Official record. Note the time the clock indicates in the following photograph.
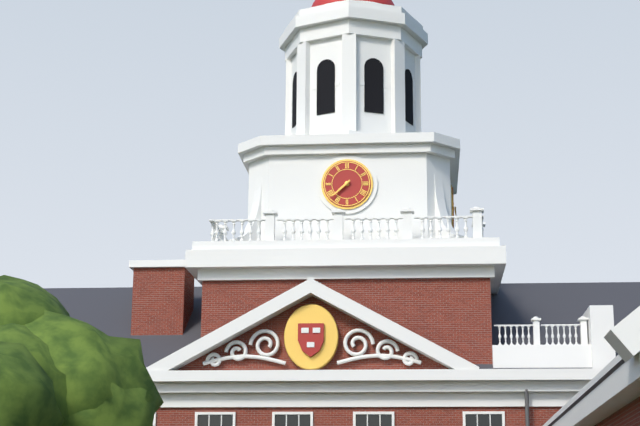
7:38
